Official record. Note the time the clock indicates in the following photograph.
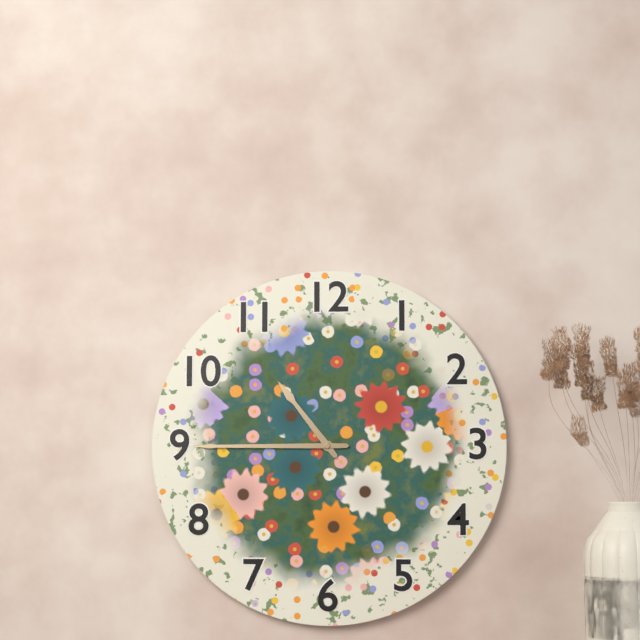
10:45
